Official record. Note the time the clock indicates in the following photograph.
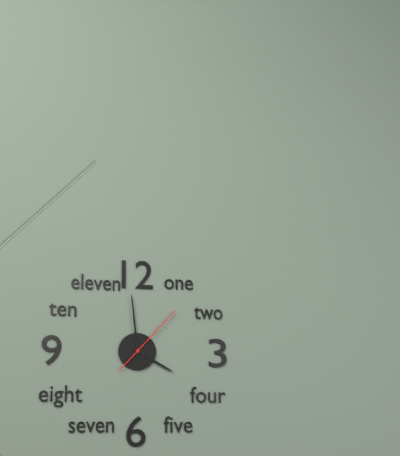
3:59:07
